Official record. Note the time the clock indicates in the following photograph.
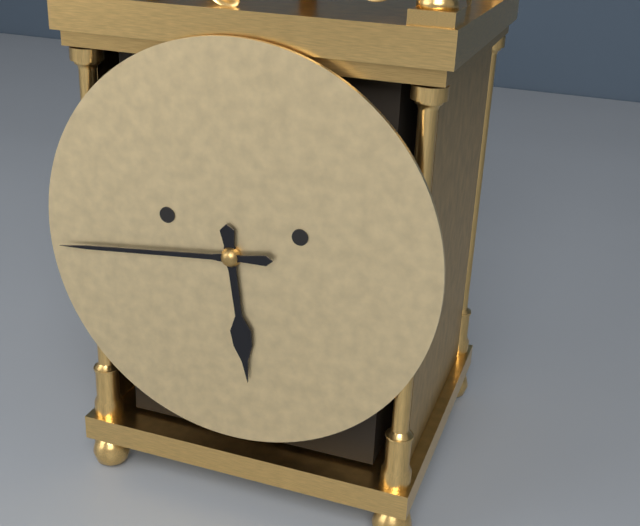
5:44
